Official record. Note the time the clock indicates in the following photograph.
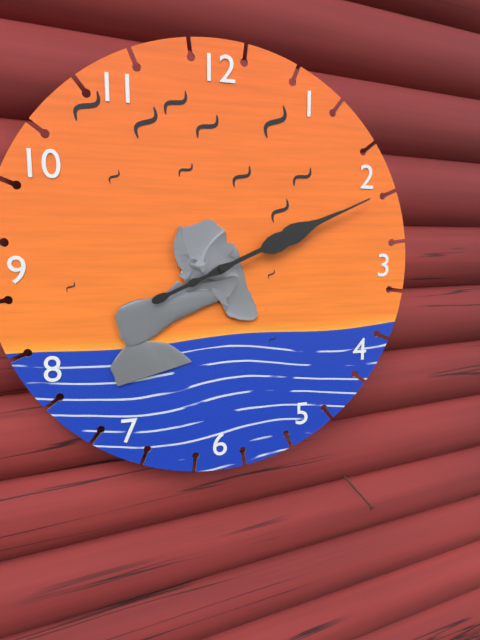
2:11
